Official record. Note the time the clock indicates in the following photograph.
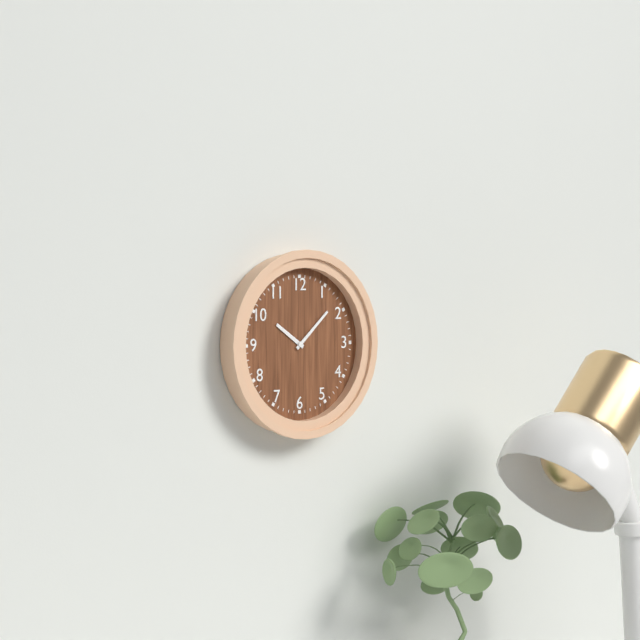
10:08
